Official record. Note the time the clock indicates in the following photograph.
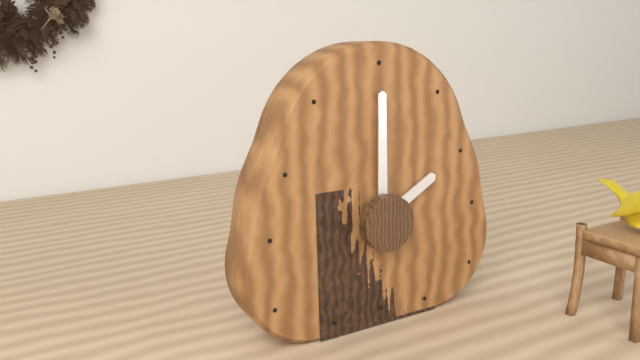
2:00
